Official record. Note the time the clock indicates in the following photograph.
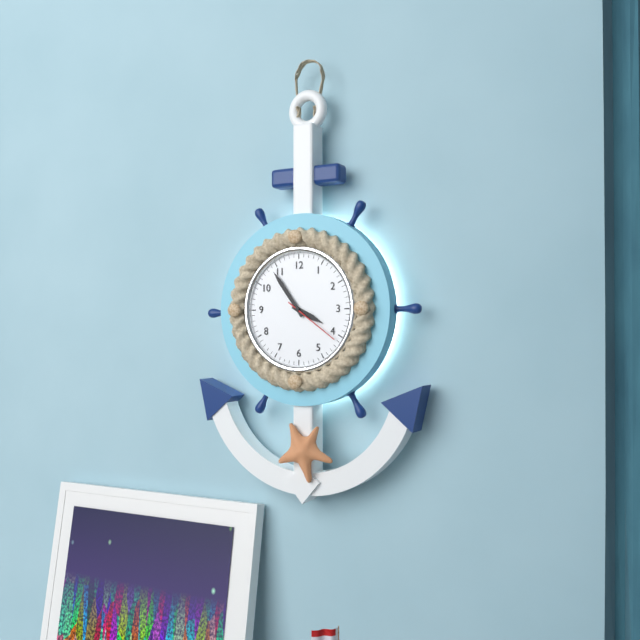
3:54:21
